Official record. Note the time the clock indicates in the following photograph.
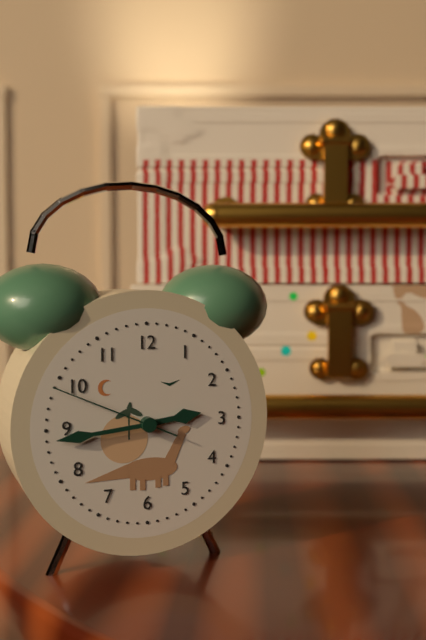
2:44:49
